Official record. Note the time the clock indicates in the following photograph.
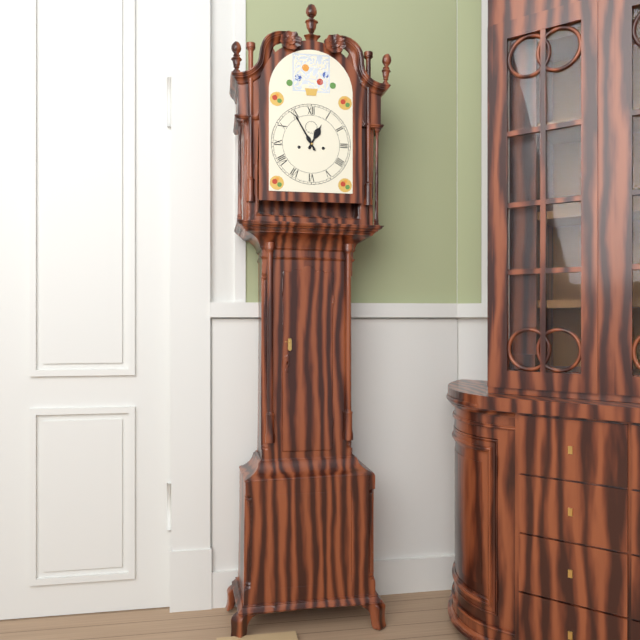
12:55
